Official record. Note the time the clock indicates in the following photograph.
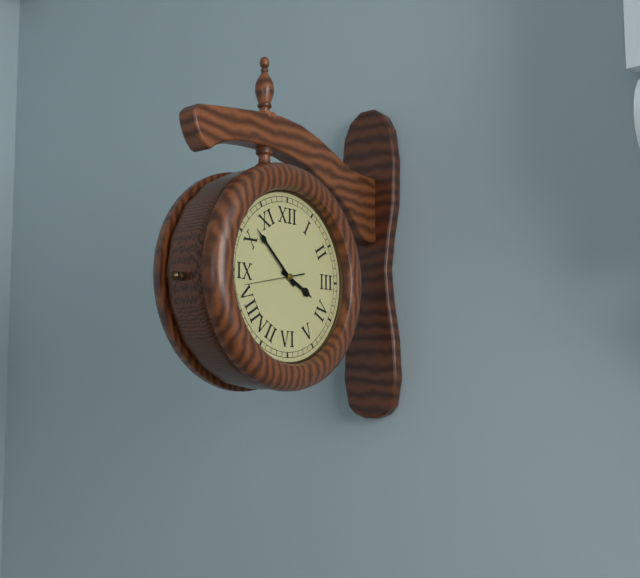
3:52:43
